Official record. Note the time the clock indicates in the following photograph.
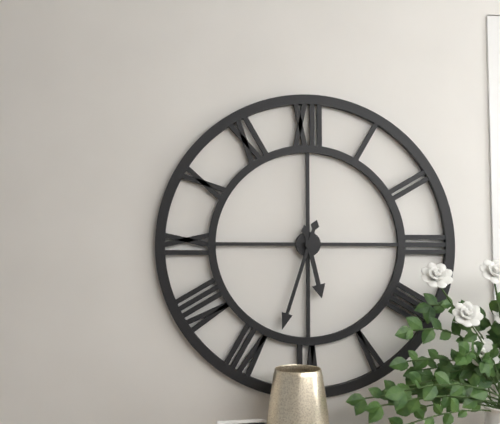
5:33
